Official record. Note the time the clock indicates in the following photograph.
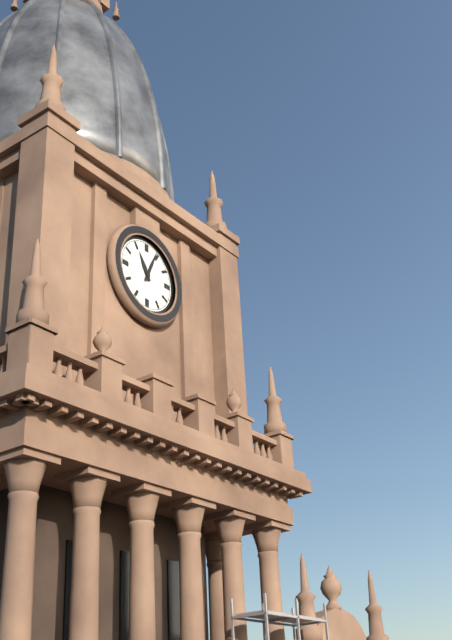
11:04
